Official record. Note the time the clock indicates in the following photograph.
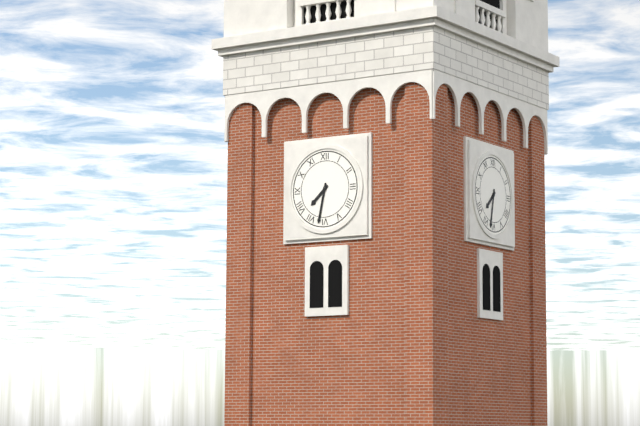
7:32
